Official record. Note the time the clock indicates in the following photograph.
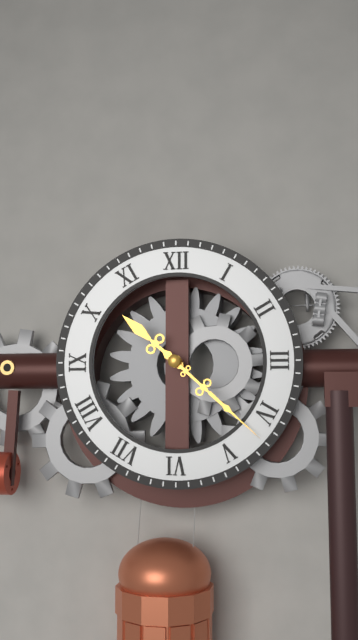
10:22
